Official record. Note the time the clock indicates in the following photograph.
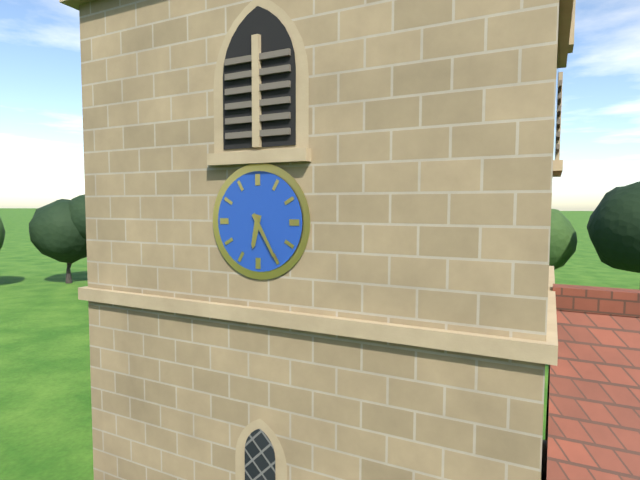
6:25
